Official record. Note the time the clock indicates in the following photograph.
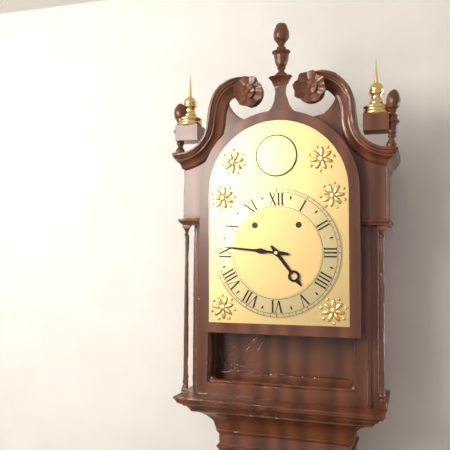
4:46
